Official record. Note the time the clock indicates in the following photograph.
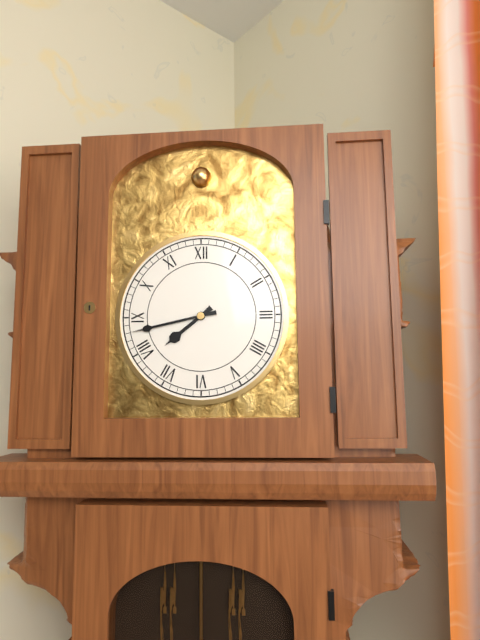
7:43
